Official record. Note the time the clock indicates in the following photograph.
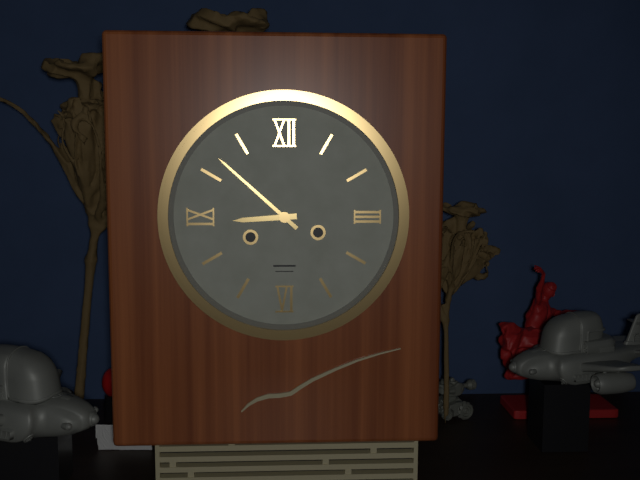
8:52
